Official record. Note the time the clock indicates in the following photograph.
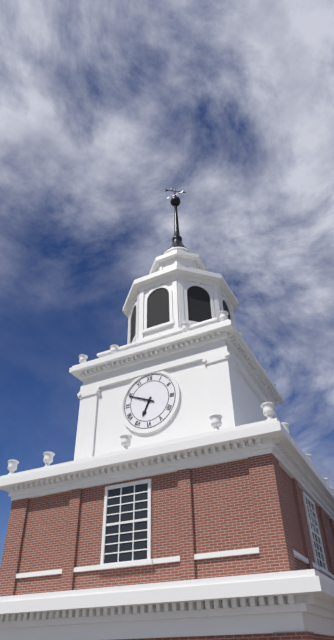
6:49
